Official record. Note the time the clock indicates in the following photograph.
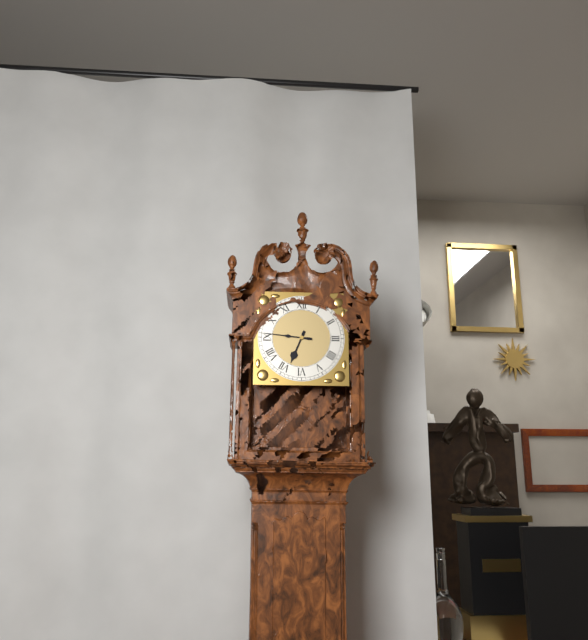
6:46
